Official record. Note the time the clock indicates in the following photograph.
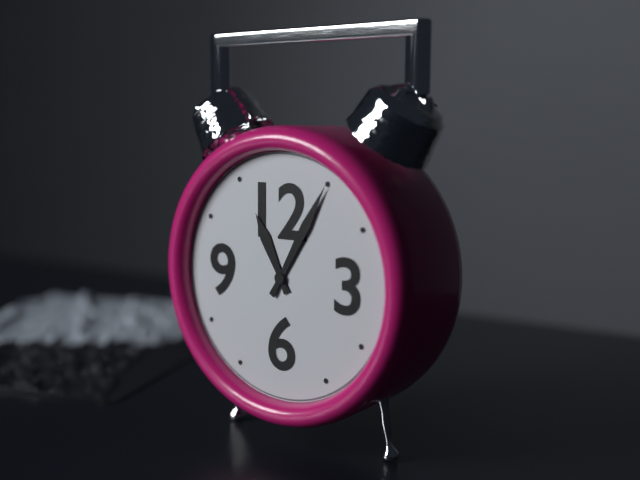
11:05
